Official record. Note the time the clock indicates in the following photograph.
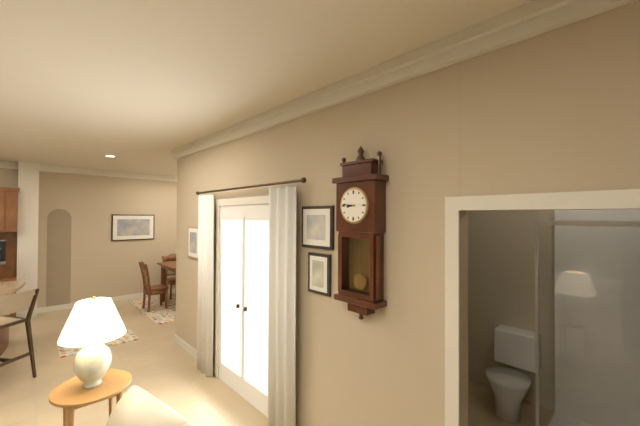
8:46
